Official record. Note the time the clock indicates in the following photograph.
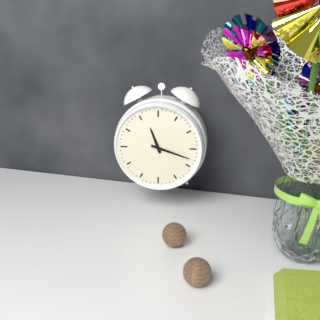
11:18
